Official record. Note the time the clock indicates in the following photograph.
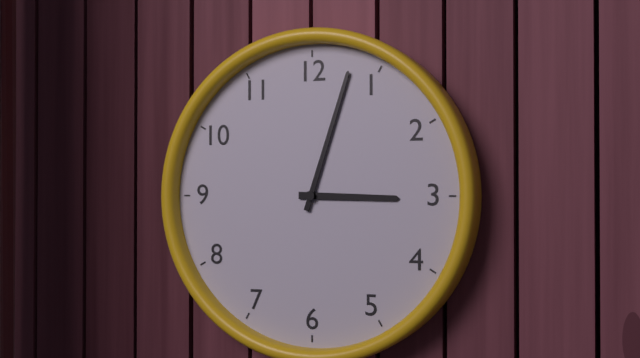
3:03
